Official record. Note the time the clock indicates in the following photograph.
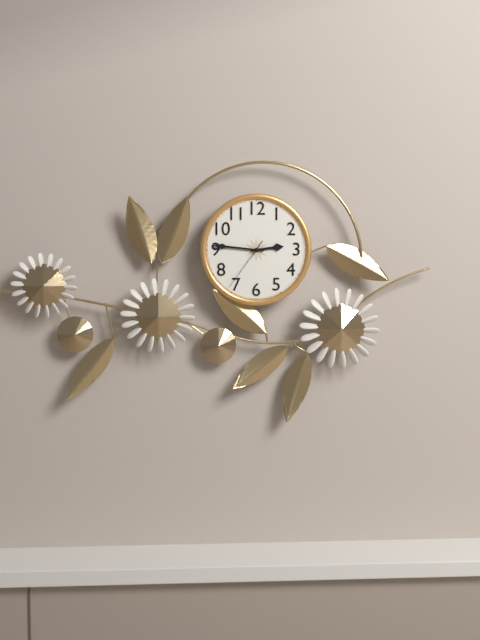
2:46:36
